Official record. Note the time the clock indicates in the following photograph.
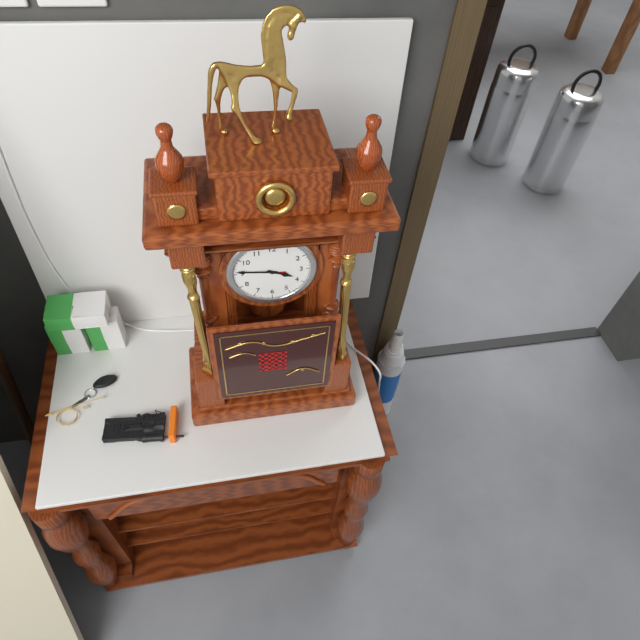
3:46
